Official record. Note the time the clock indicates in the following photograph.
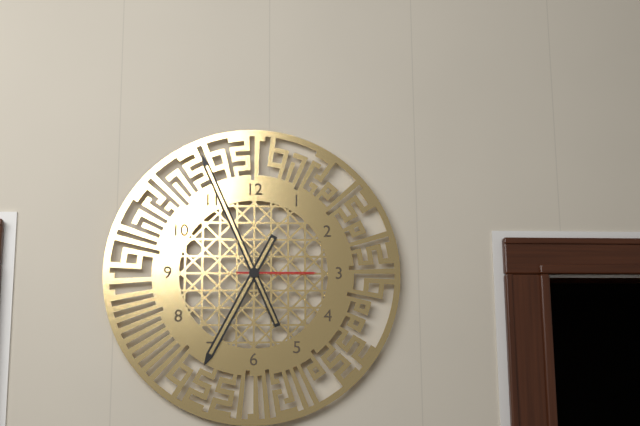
6:56:15
